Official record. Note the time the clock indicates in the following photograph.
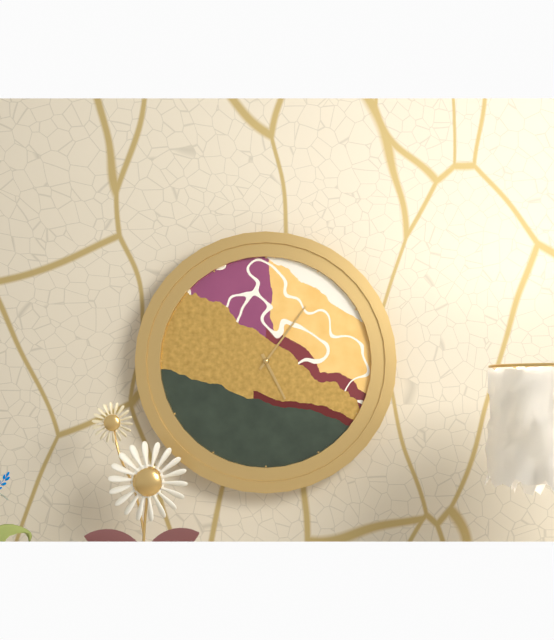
5:06
